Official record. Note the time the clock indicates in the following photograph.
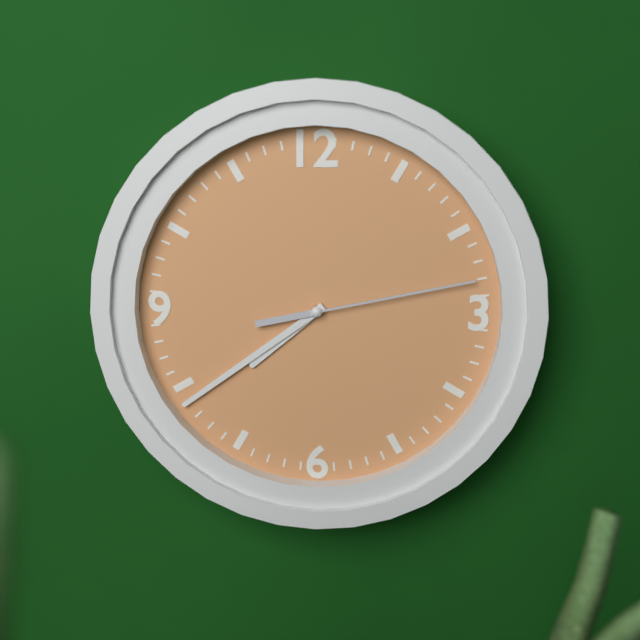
7:39:13
